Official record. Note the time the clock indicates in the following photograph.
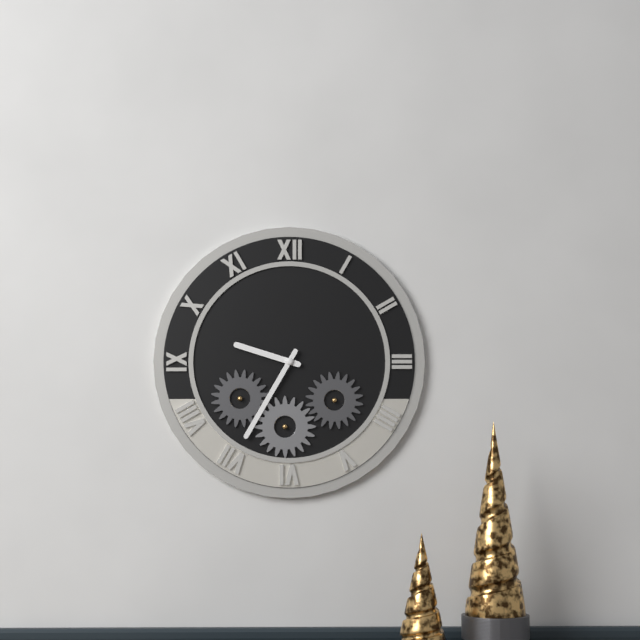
9:35
